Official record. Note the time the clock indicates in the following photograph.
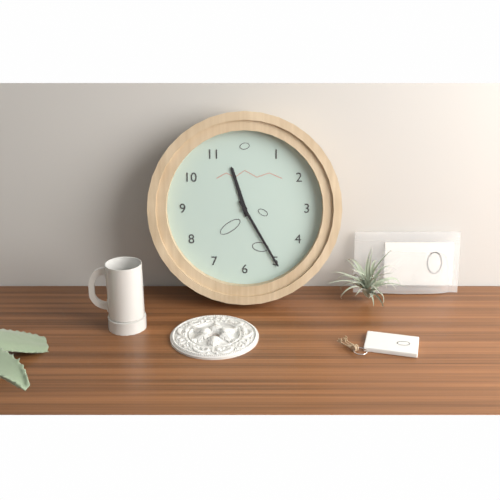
11:25
